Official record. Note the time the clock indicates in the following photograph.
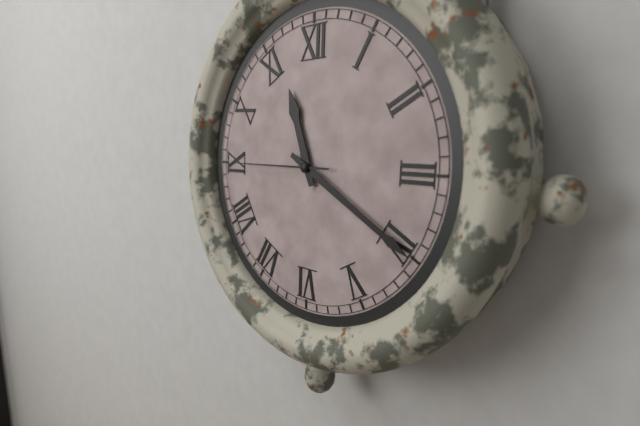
11:20:45
